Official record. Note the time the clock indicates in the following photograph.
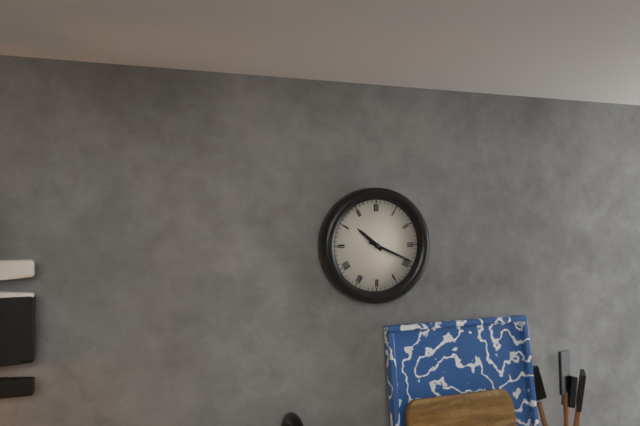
10:19
